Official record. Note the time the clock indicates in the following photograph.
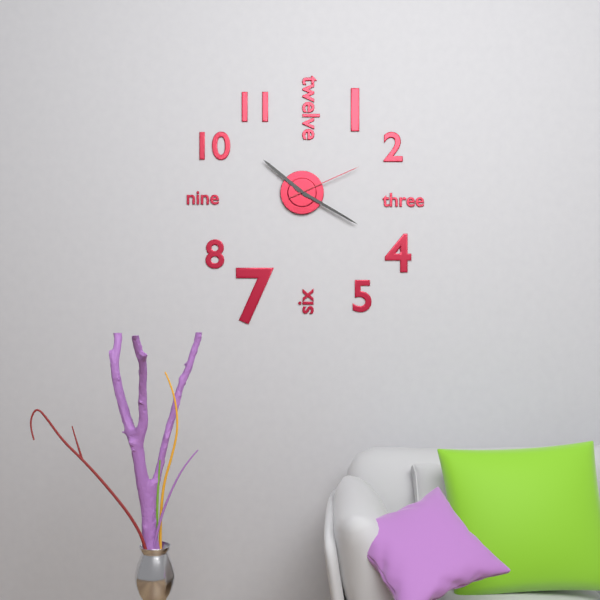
10:20:11
